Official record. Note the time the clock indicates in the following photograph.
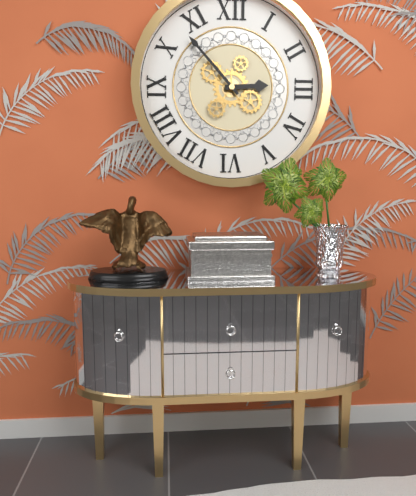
2:53
